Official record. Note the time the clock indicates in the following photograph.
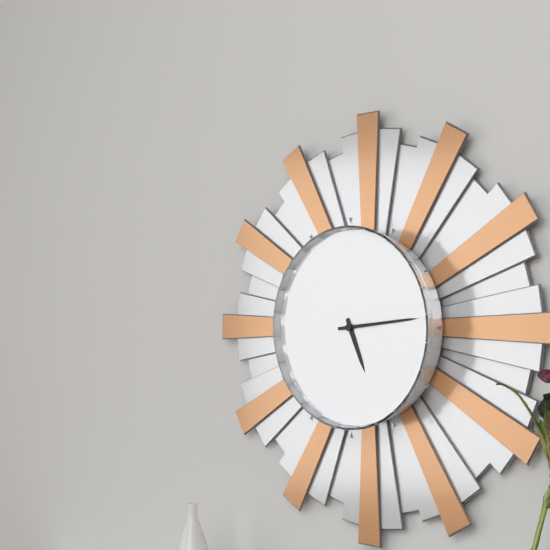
5:14
